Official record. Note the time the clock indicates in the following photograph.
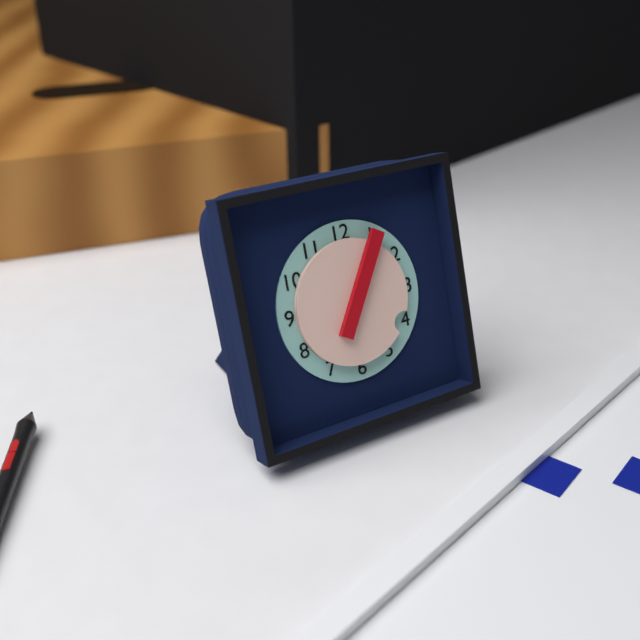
4:05
